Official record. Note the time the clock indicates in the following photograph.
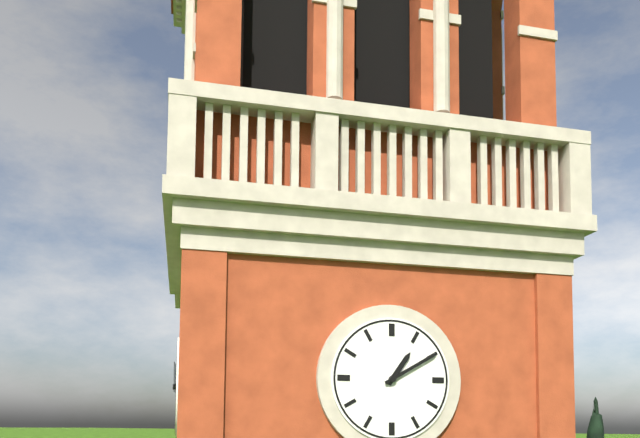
1:10
